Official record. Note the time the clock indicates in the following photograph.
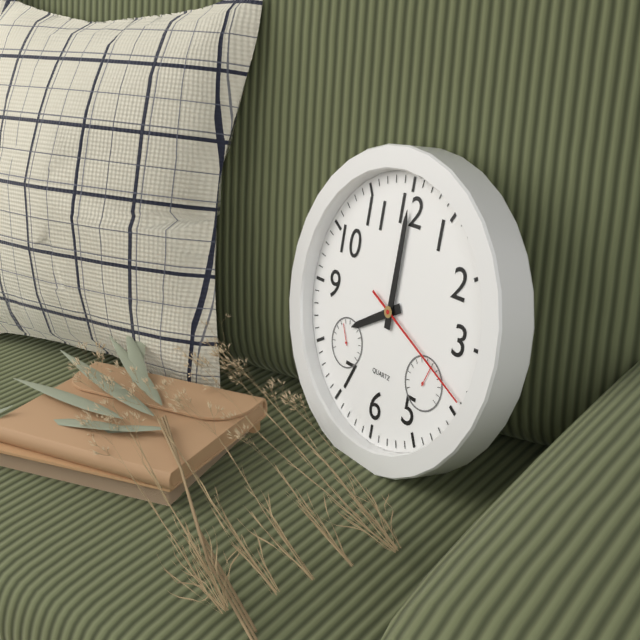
8:00:19
